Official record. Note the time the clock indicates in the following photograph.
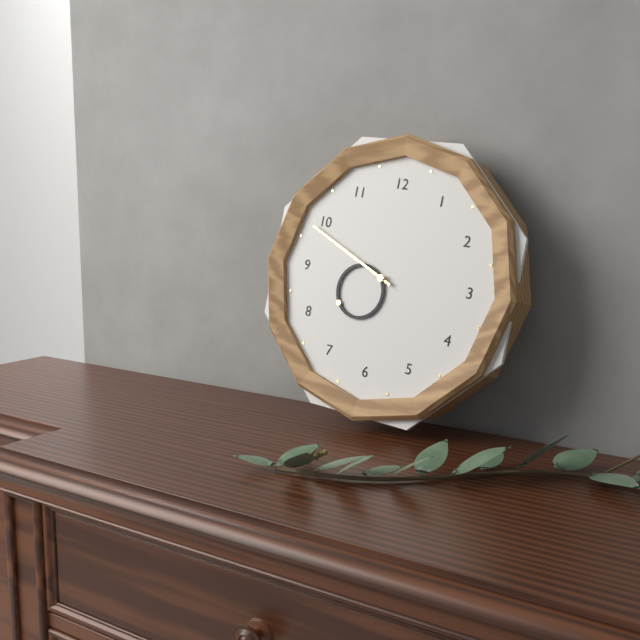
7:49
